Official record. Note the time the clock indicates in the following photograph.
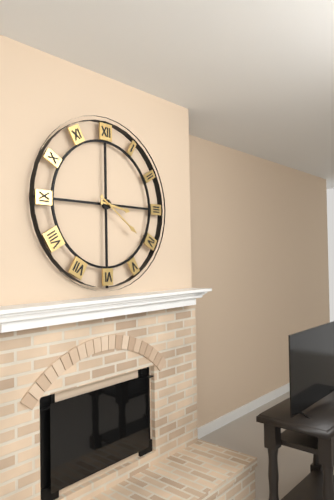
3:21
